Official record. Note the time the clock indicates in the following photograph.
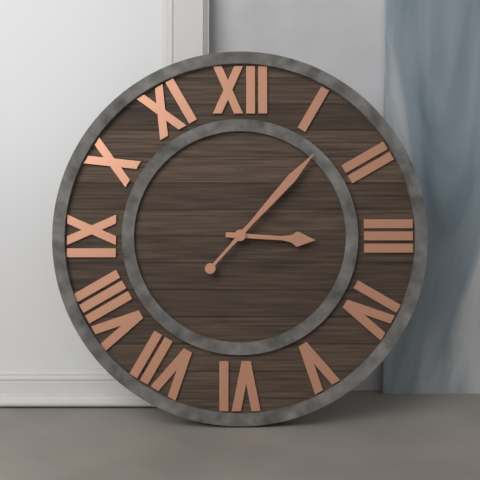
3:07
